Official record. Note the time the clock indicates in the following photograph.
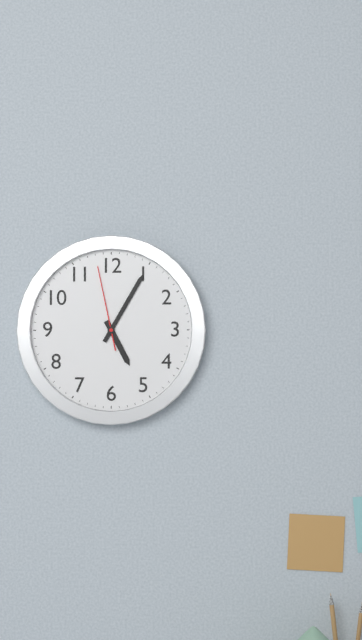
5:05:58
